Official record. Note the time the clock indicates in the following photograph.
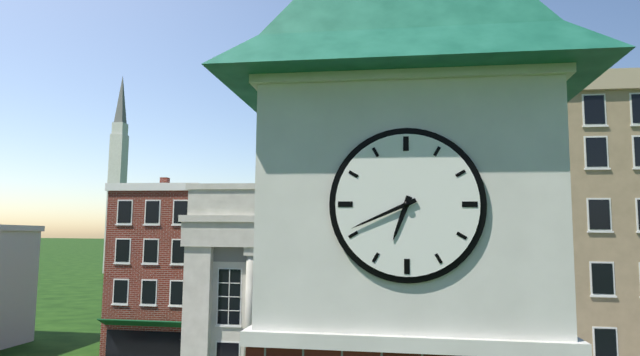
6:41
